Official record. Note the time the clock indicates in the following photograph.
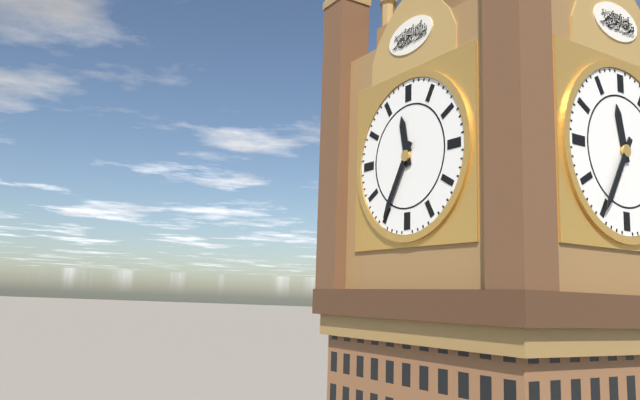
11:35
